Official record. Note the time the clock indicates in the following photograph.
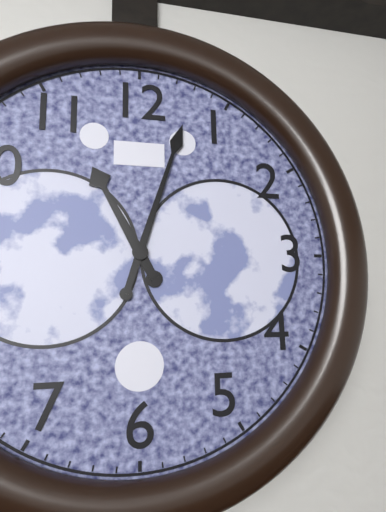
11:03
